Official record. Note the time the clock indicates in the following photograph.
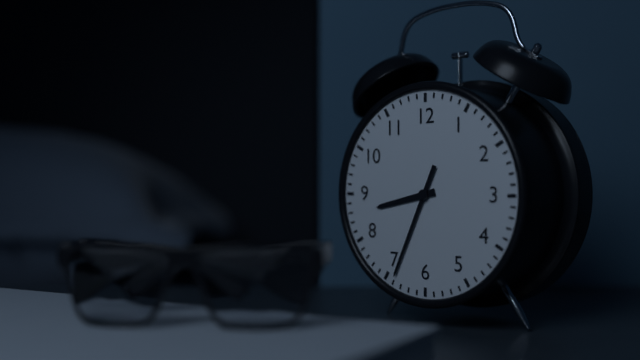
8:34
